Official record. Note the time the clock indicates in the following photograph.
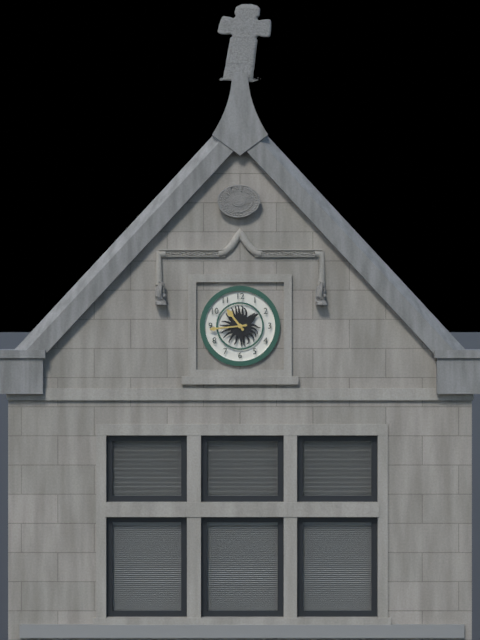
10:44
